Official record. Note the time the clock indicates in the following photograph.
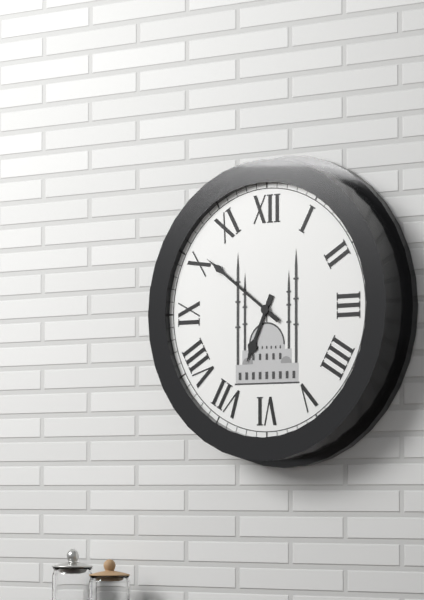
6:51
